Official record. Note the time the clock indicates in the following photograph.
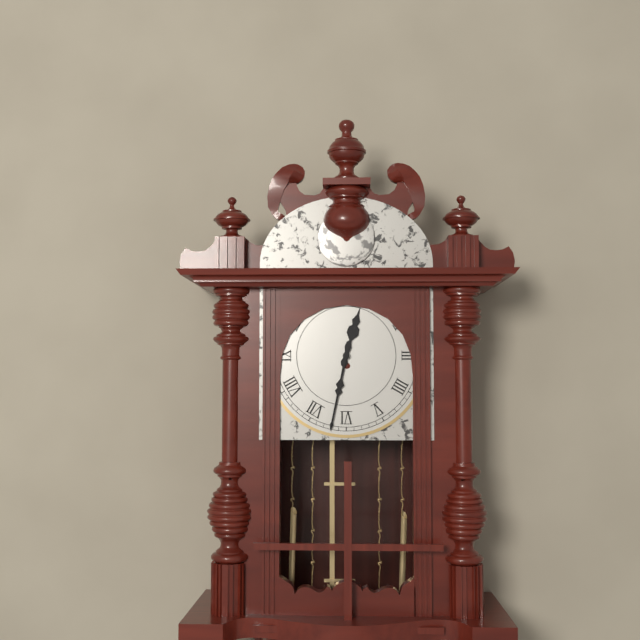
12:32
